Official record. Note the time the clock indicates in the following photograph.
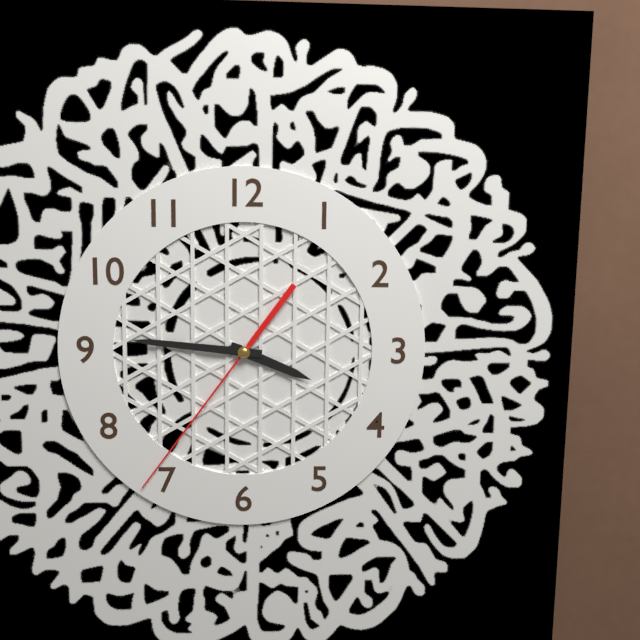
3:46:36
